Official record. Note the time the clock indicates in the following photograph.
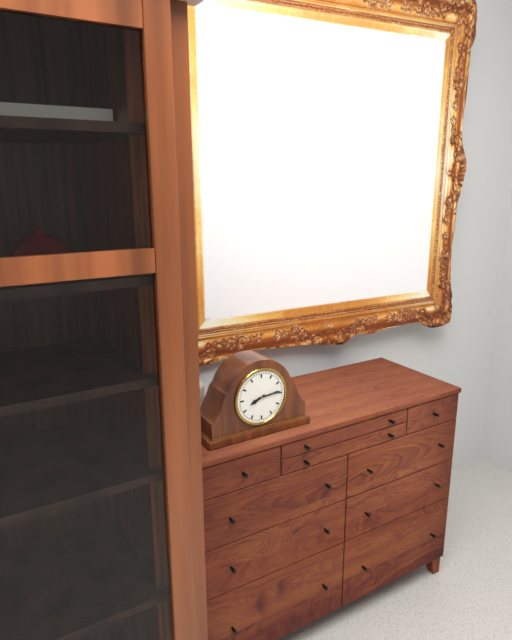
8:14
